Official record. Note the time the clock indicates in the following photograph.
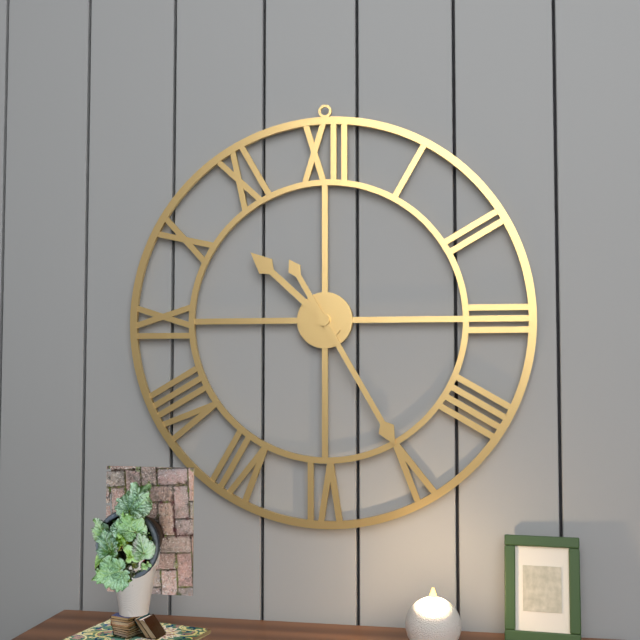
10:25
